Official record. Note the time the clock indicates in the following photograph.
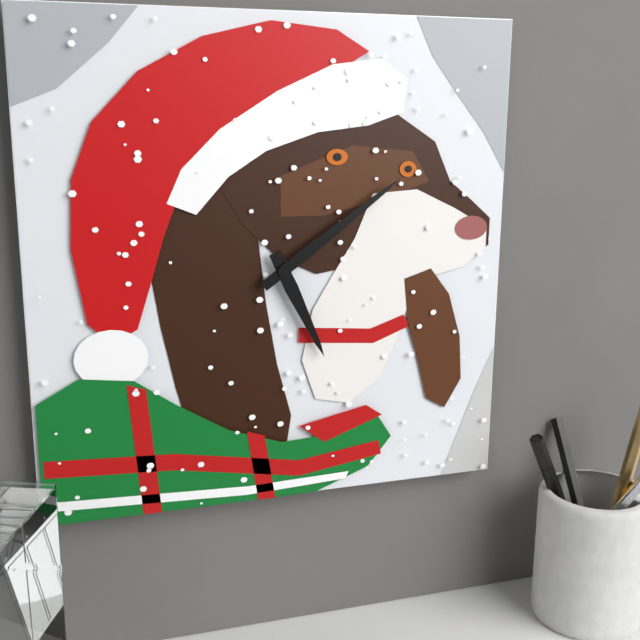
5:09
